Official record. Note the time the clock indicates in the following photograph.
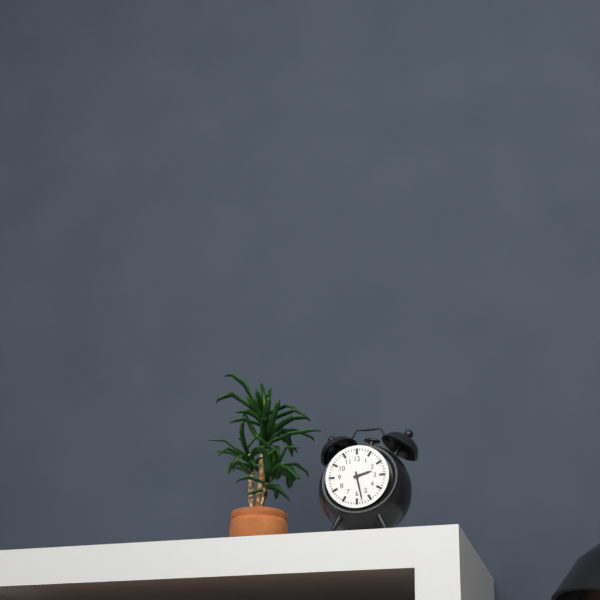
2:28
